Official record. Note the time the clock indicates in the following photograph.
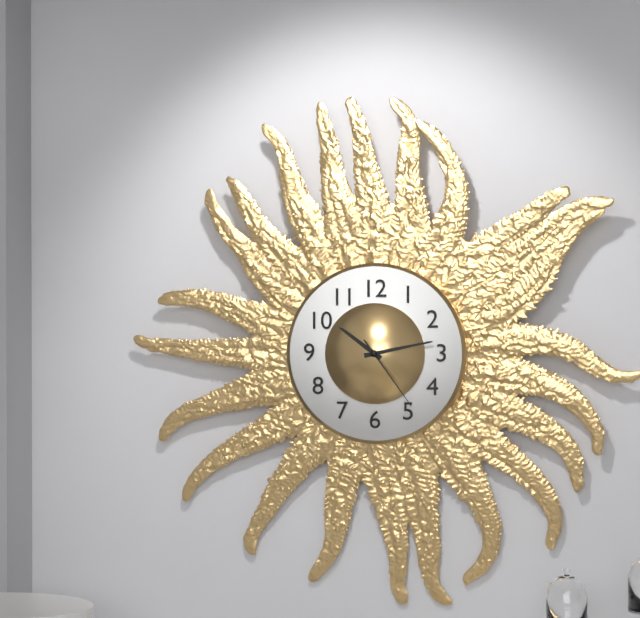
10:13:24
